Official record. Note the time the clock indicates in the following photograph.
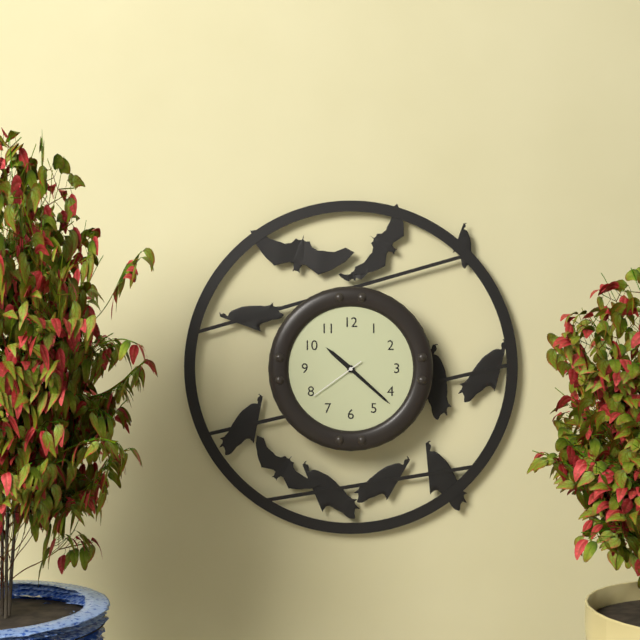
10:22:39
